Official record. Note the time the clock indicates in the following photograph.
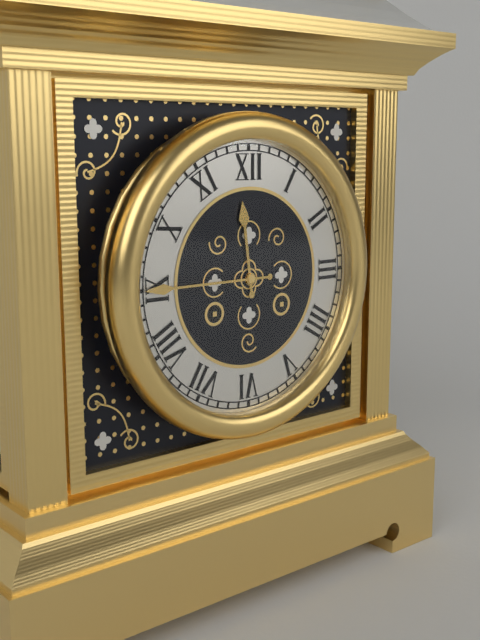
11:45
